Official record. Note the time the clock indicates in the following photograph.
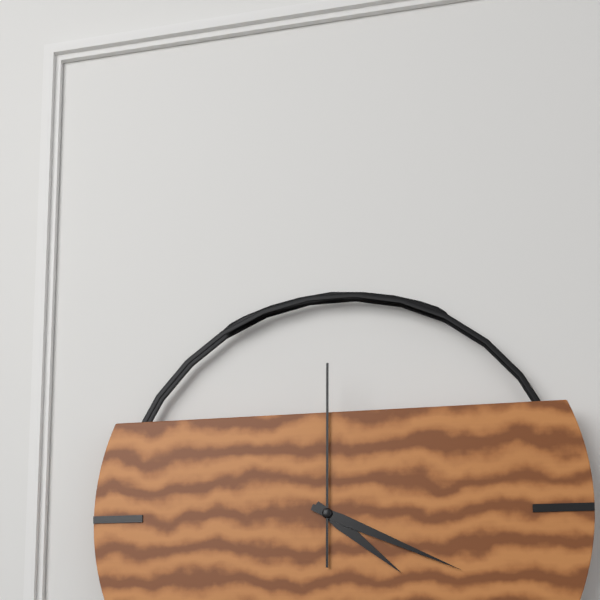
4:19:00
